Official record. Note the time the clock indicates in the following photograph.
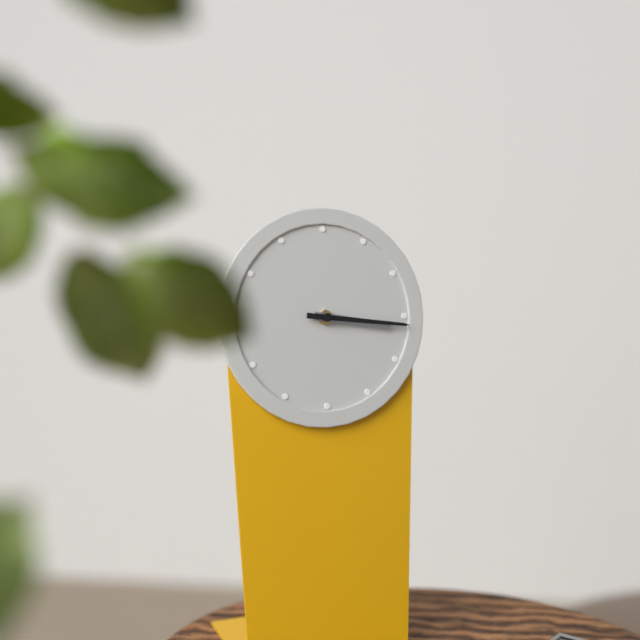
3:16
